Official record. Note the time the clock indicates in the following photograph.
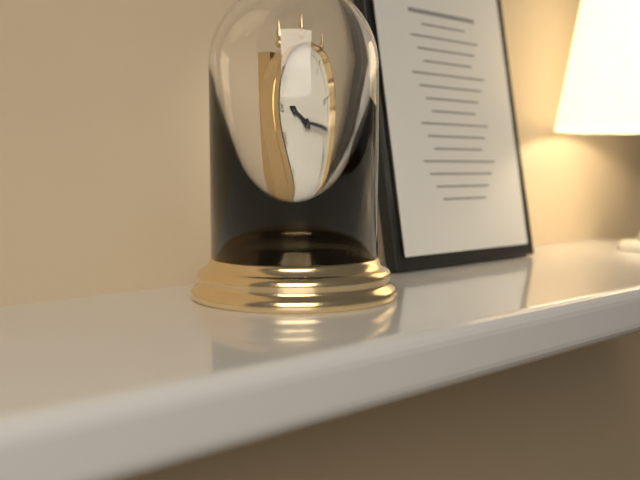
9:13
